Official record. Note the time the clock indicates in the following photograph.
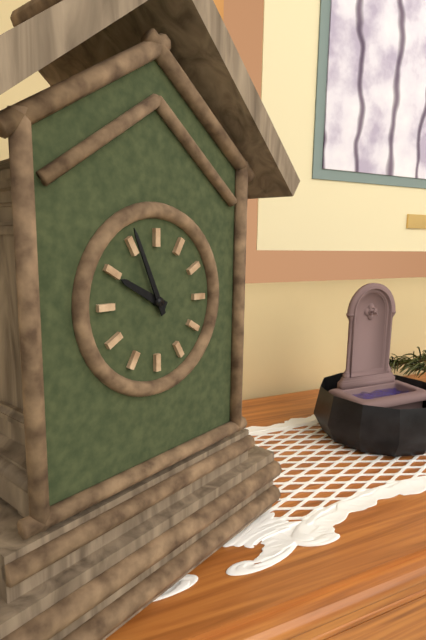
9:56
